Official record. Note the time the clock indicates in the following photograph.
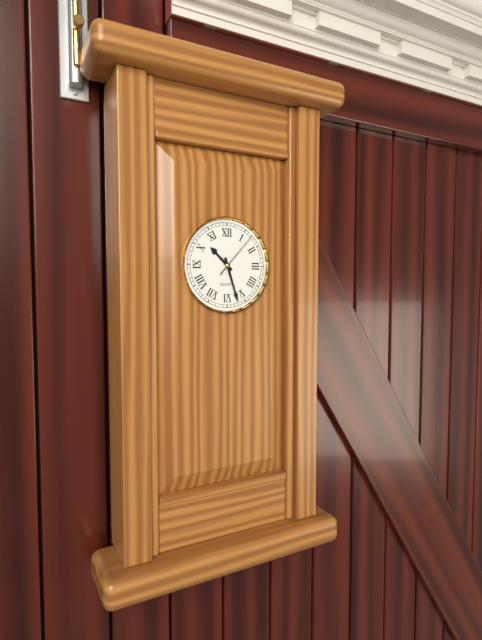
10:27
